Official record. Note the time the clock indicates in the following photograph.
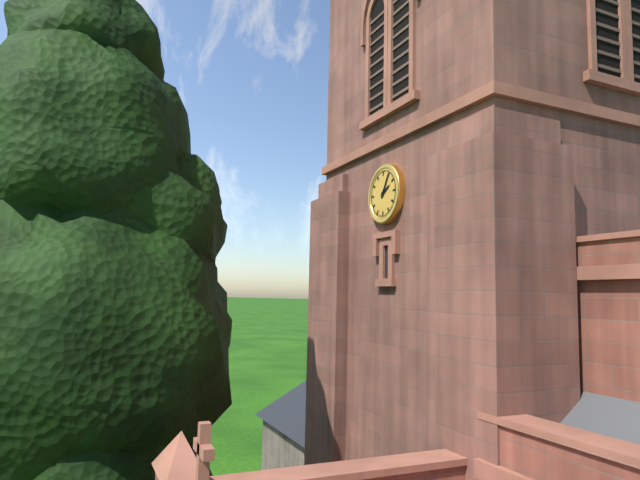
2:05
